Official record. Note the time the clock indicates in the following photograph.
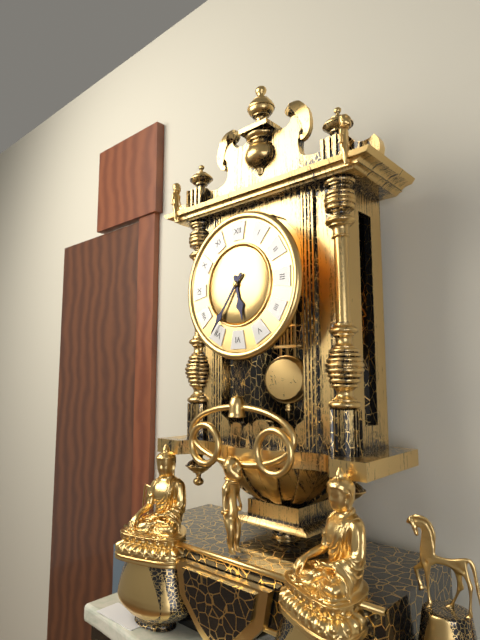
5:36
